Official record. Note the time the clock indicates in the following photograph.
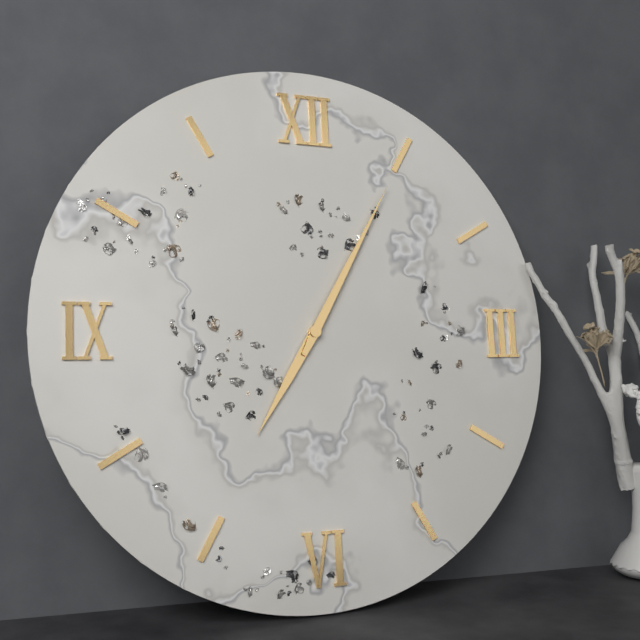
7:05
